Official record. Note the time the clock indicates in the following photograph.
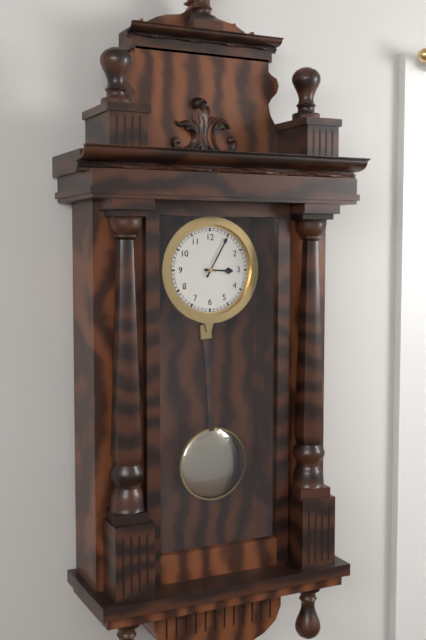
3:05
